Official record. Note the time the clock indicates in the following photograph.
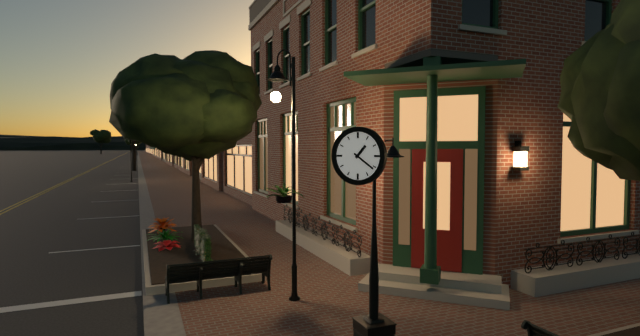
1:21
